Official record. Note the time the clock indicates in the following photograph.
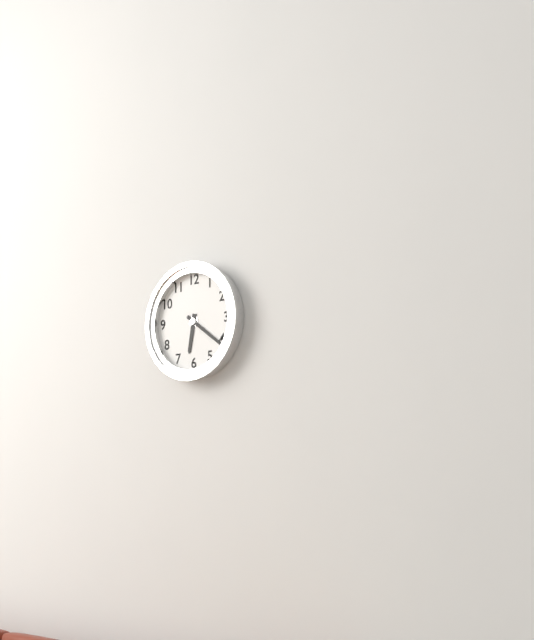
6:21
